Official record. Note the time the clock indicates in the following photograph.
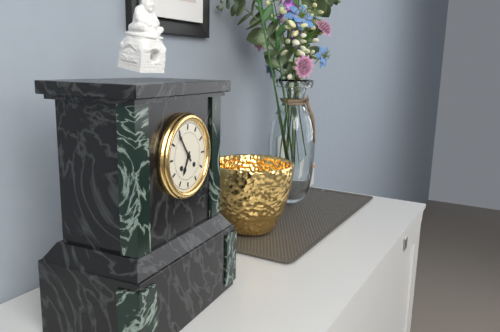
6:54
